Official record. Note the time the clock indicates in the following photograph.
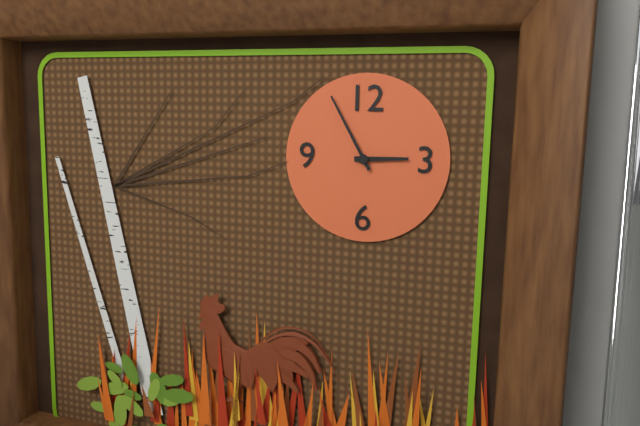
2:55
